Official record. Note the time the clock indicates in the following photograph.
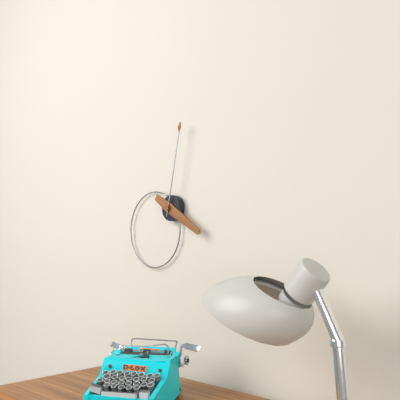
4:02
